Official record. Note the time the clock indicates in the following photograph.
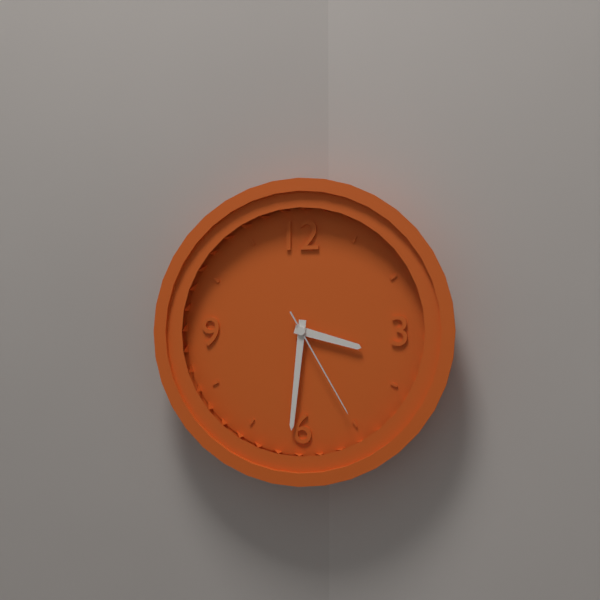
3:31:25
